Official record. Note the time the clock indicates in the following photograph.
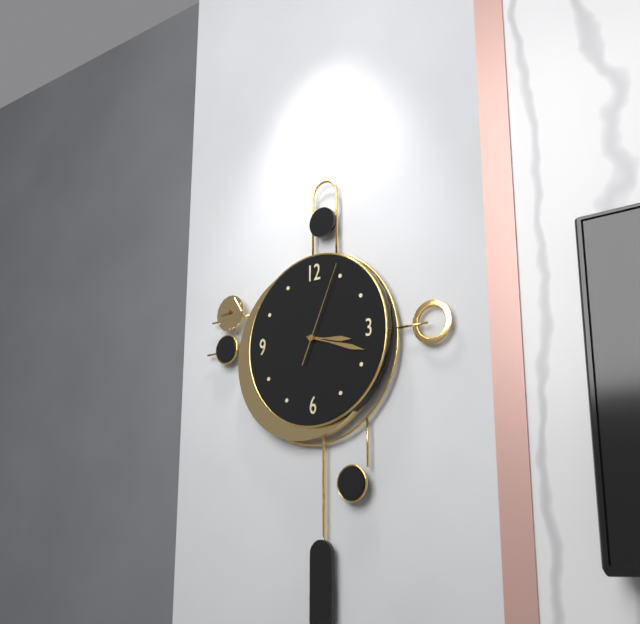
3:18:04
